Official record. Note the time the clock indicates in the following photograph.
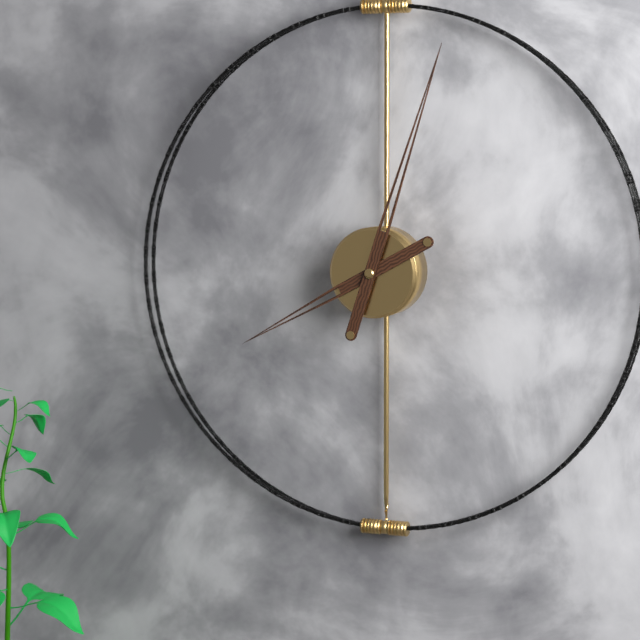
8:03
